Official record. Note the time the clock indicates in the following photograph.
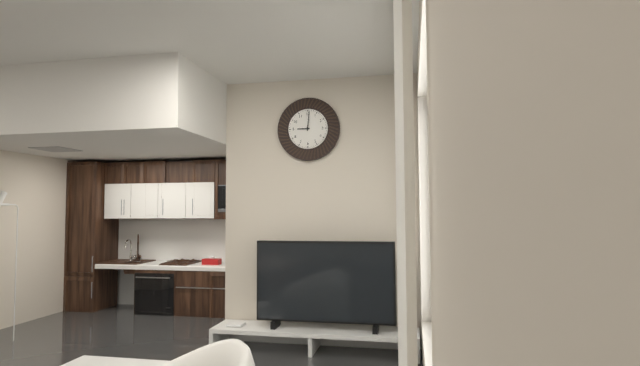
9:01
